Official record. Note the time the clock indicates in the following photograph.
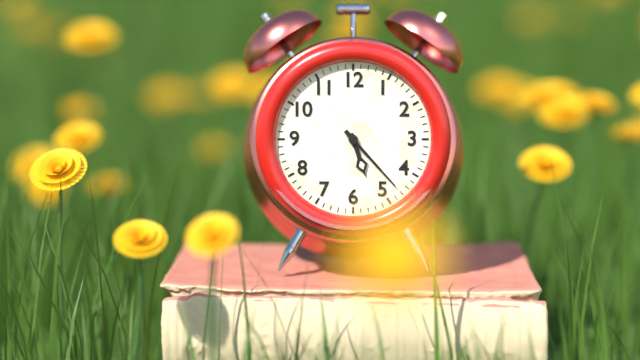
5:23
